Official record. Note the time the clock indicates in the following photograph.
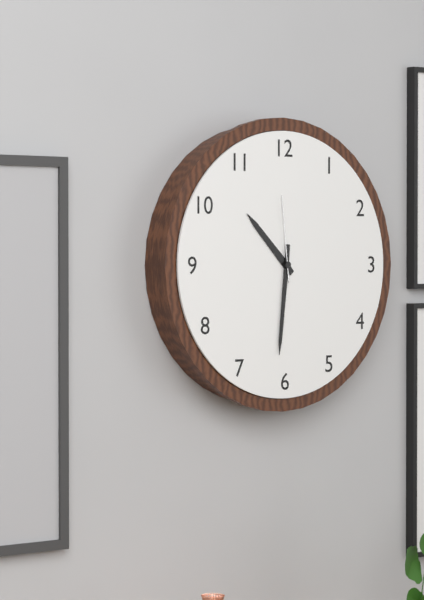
10:31:59
